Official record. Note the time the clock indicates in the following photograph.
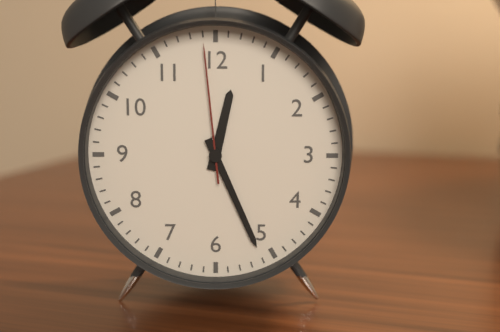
12:26:59
